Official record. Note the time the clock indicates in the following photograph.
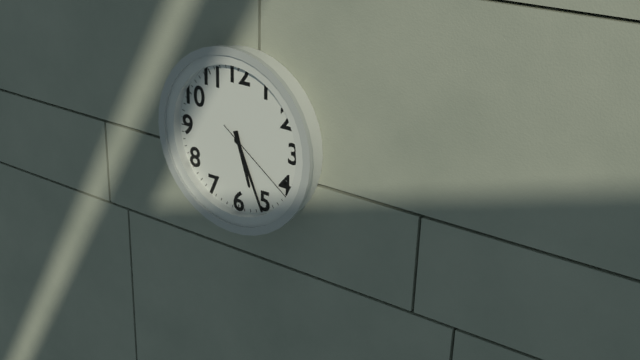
5:26:21
